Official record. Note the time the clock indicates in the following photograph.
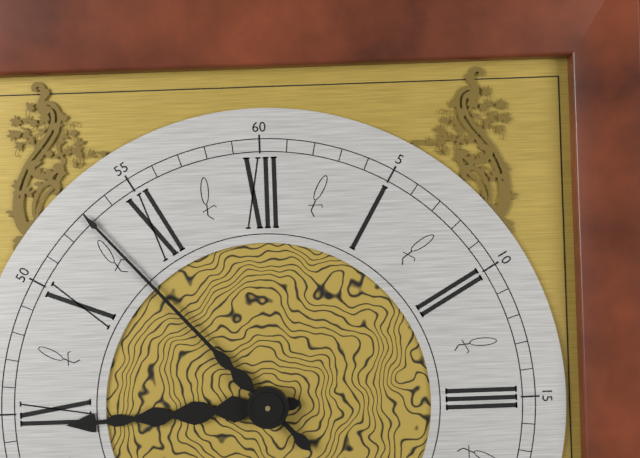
8:53
